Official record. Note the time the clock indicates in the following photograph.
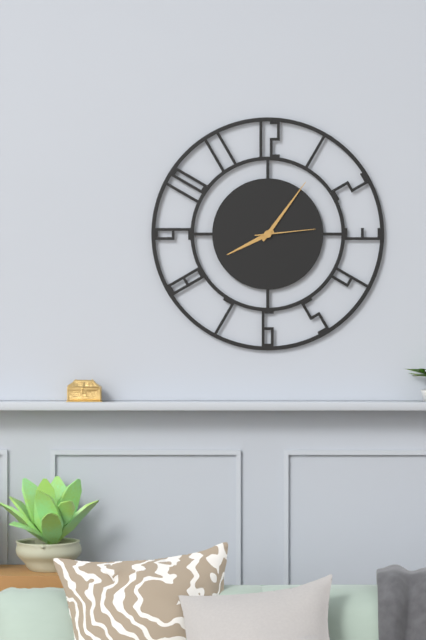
8:06:14
